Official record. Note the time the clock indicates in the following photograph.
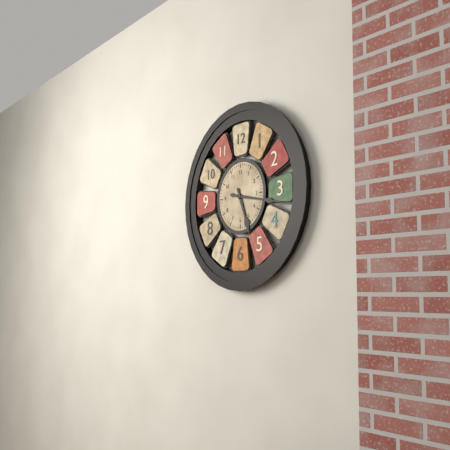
5:17
